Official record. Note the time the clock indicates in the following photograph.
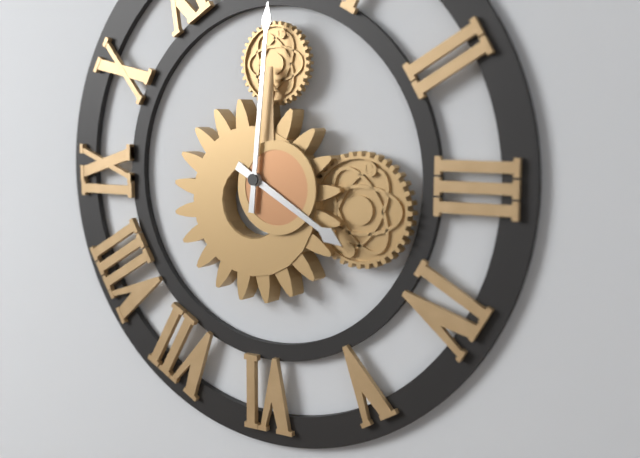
4:01
